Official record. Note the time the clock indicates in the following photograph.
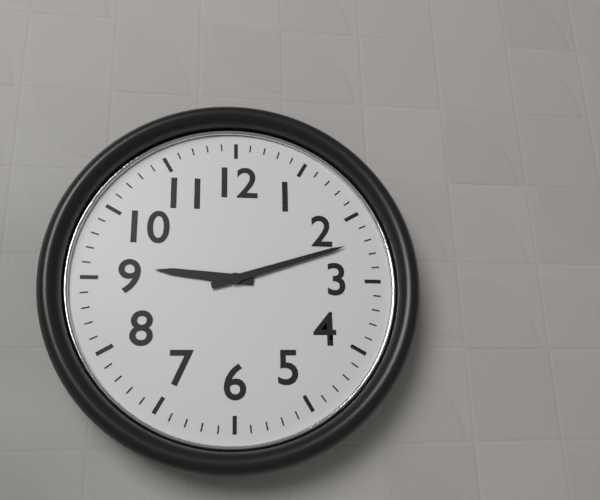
9:12
